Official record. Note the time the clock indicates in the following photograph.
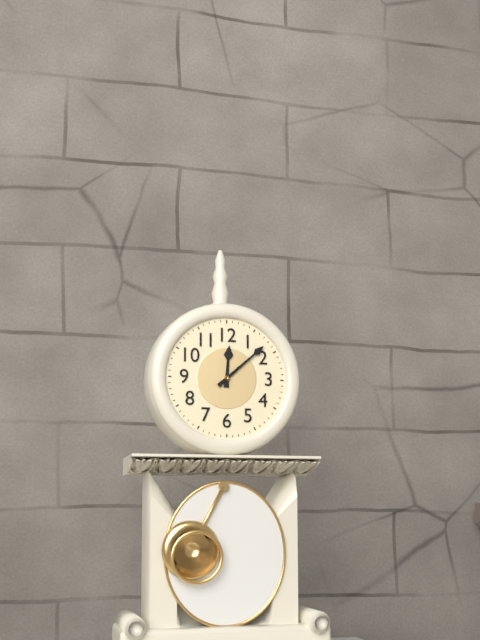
12:08
